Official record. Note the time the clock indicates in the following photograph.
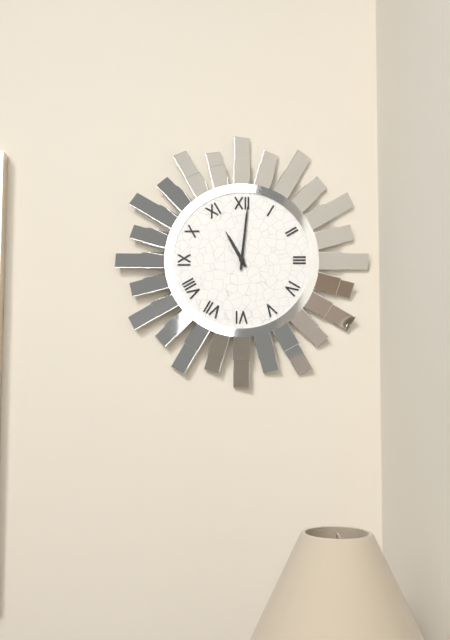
11:01
